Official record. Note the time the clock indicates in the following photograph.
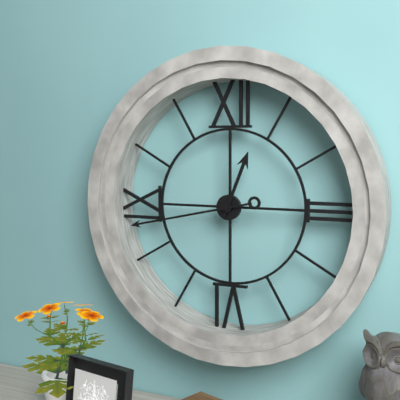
12:43
